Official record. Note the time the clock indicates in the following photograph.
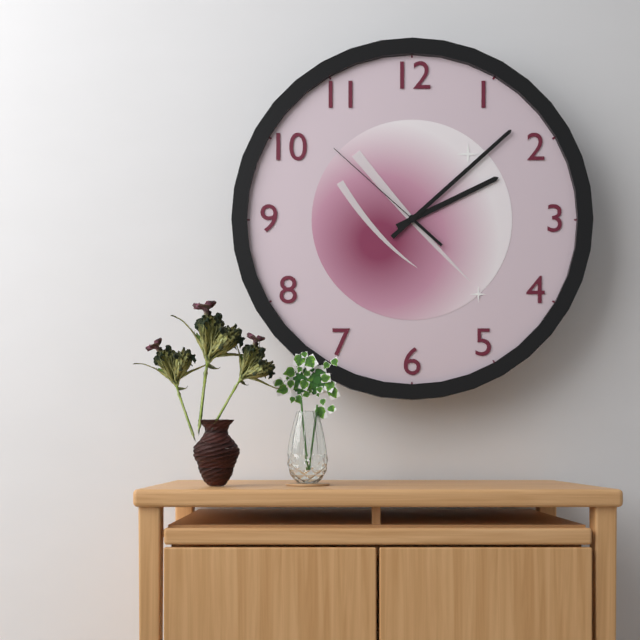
2:08:52
